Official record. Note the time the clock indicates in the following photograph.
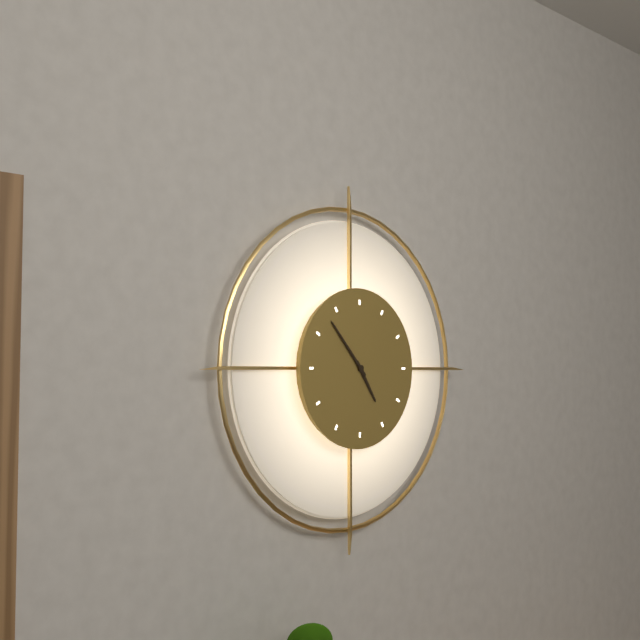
4:53
